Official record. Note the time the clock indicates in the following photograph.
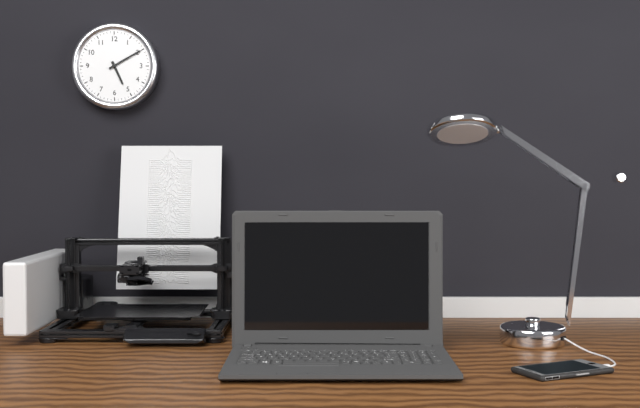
5:10
